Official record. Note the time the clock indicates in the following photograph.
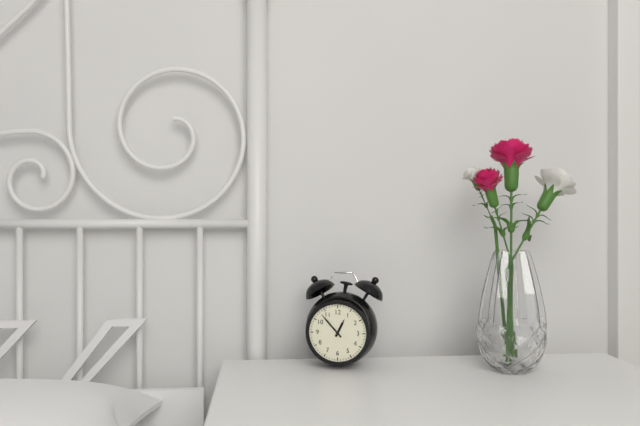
12:53
